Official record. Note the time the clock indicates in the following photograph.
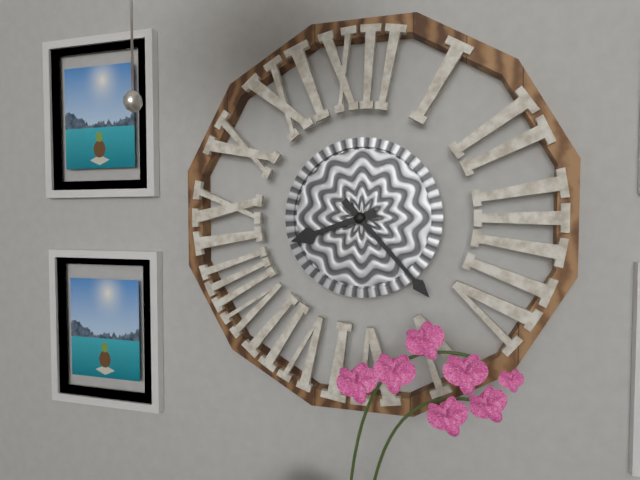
8:23
